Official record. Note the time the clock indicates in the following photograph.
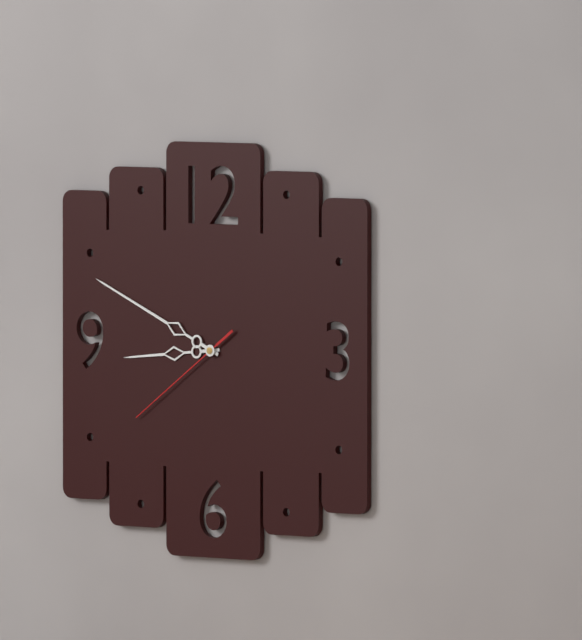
8:49:39
